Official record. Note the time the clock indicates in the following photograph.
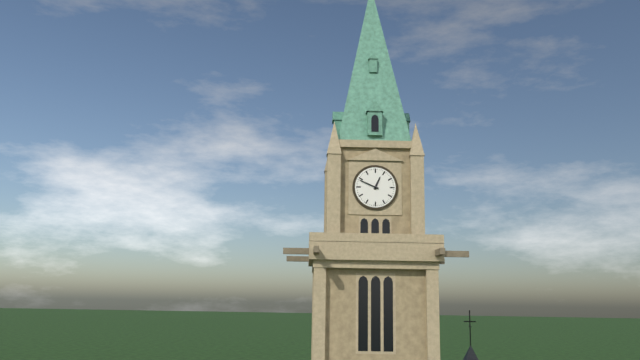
12:49
